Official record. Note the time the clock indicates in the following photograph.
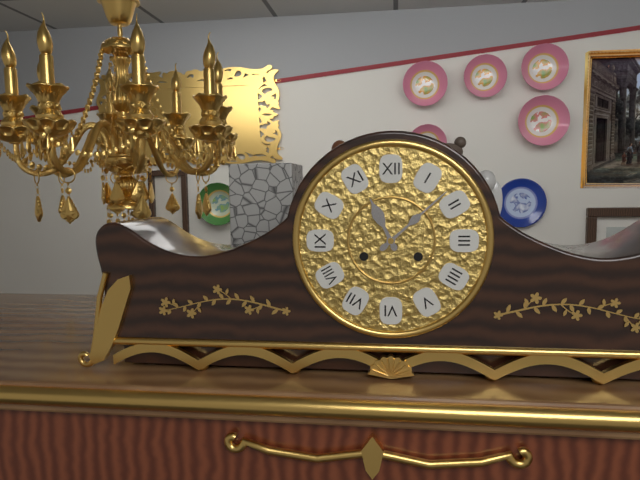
11:08
